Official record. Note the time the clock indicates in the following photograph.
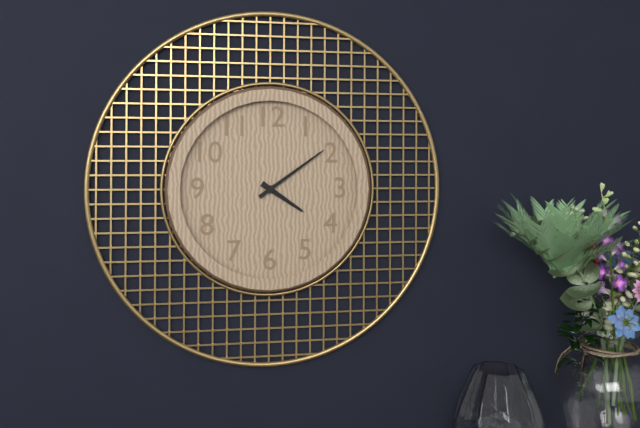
4:09
